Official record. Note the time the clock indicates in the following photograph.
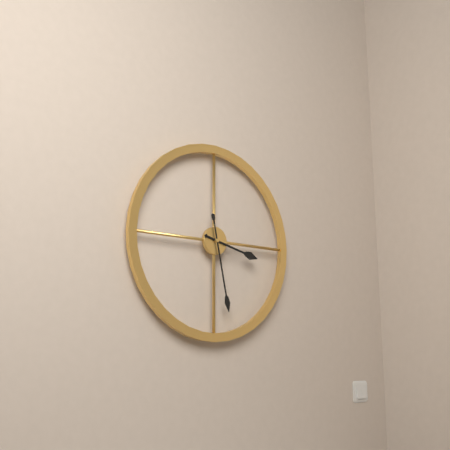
3:28
